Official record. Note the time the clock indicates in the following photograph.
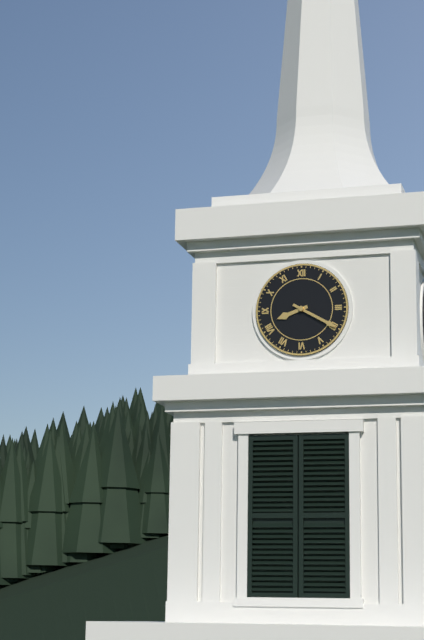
8:20
